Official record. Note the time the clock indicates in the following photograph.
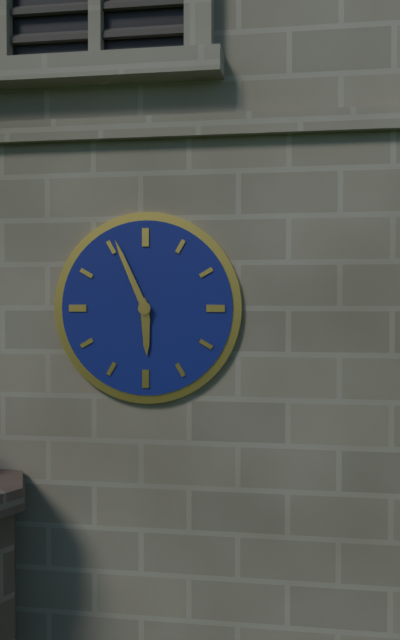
5:56
